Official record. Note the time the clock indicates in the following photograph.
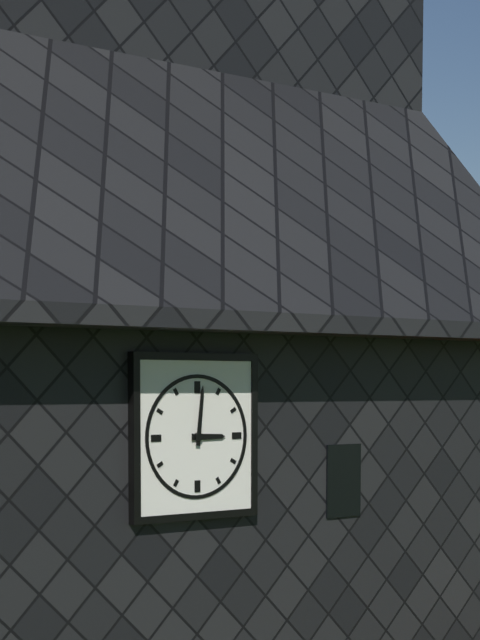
3:01
